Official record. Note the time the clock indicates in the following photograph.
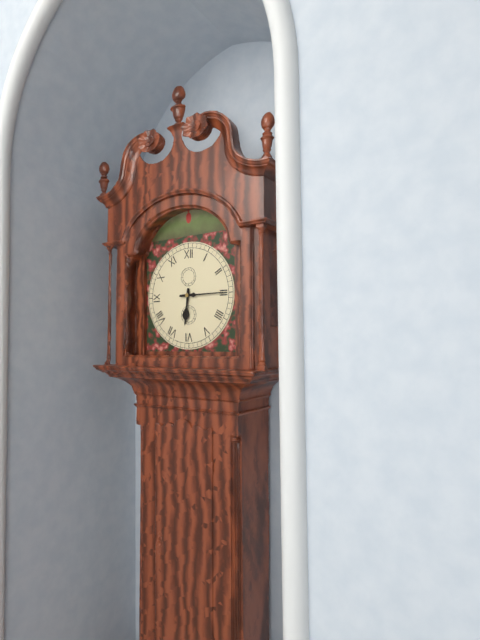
6:15
